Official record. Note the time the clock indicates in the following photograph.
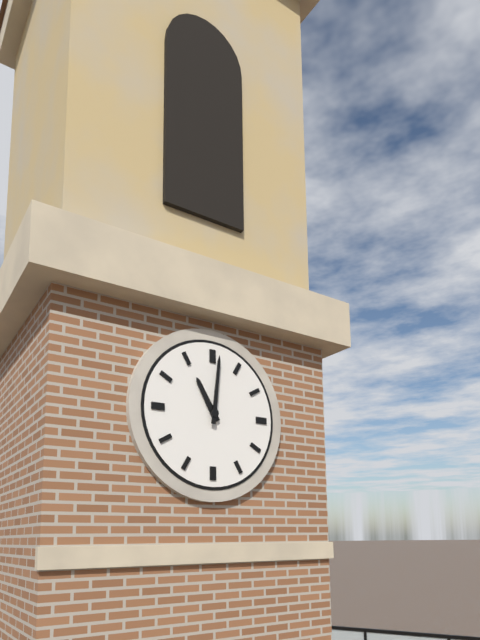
11:01
